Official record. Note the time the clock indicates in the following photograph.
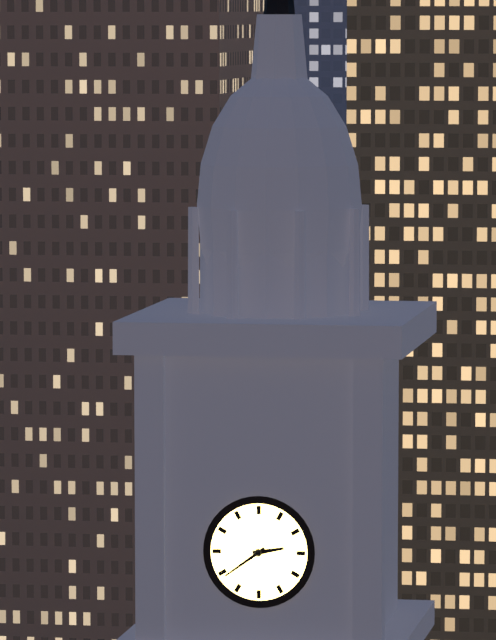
2:39
